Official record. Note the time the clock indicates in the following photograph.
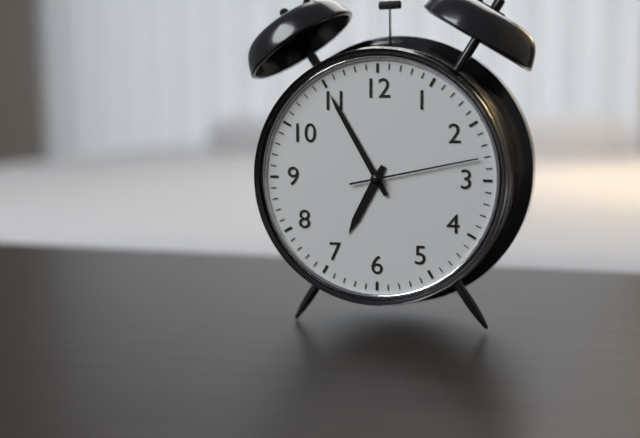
6:55:13
